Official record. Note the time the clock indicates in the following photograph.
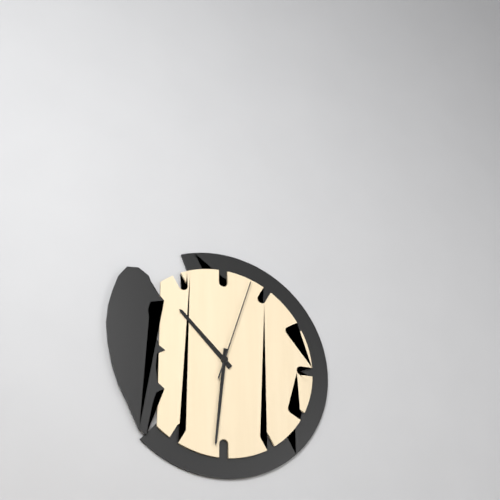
10:31:03
